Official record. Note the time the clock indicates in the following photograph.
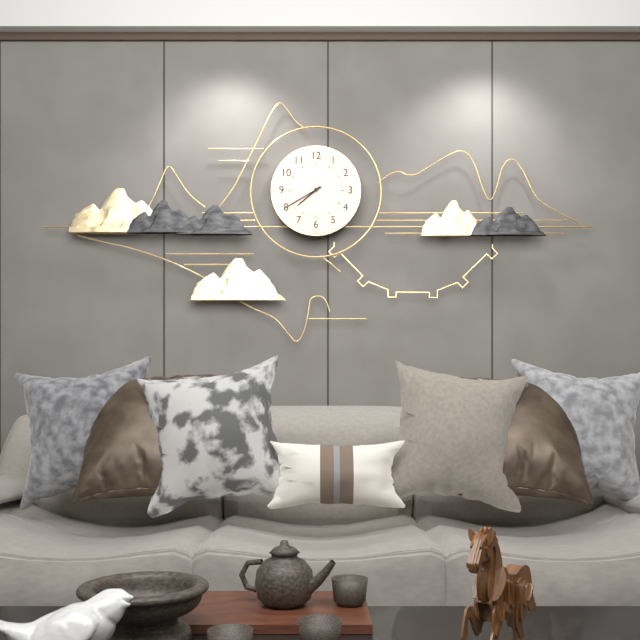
7:40
